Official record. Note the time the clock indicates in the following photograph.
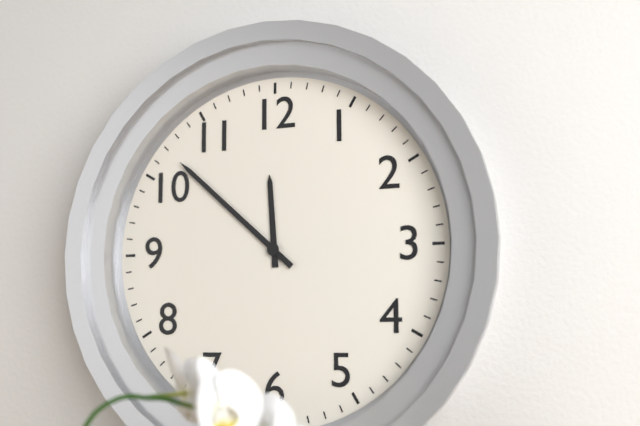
11:52
